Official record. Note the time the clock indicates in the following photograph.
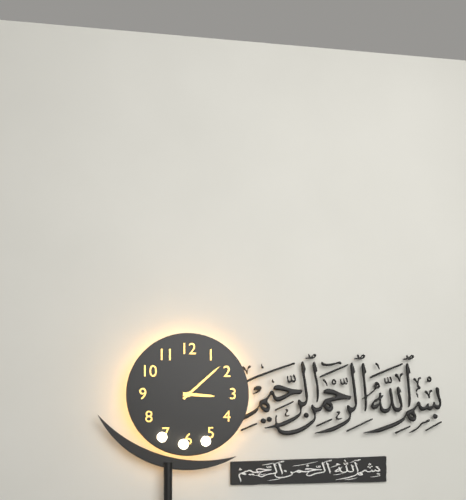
3:08
